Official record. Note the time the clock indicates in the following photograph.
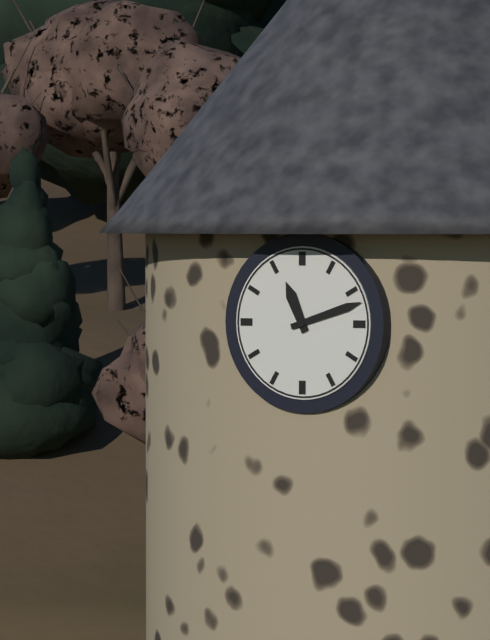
11:12
